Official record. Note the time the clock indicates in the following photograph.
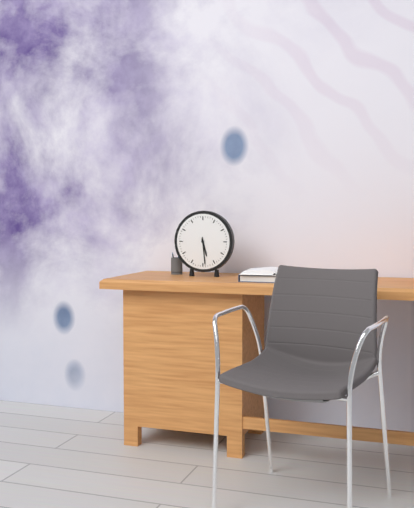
5:29
